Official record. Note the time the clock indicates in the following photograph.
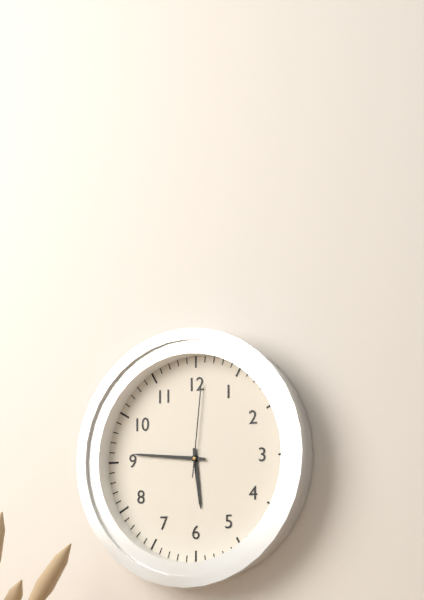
5:46:01
